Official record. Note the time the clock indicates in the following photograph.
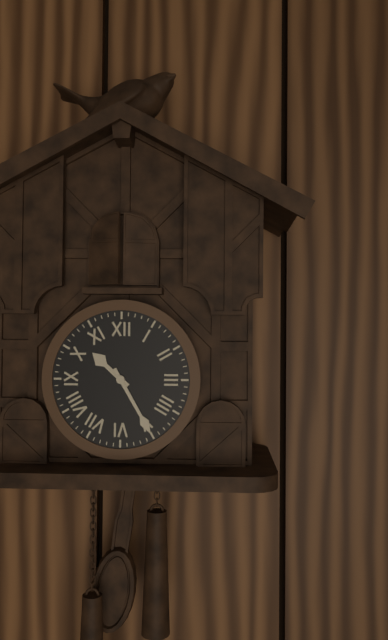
10:25
